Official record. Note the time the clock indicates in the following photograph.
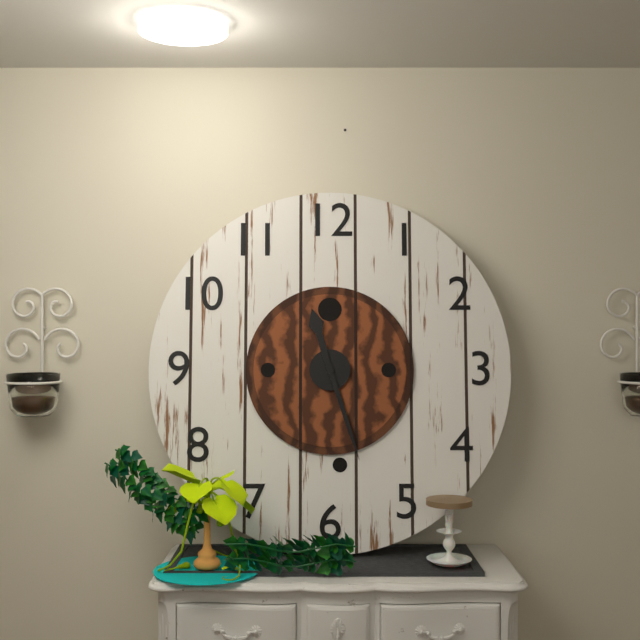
11:27
